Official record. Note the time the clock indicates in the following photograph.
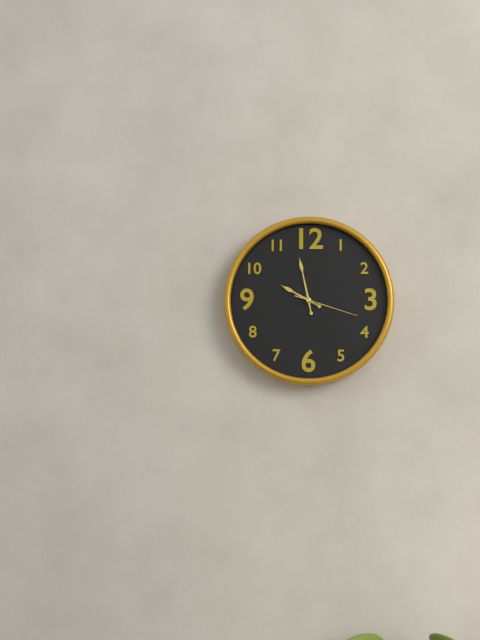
9:58:18
